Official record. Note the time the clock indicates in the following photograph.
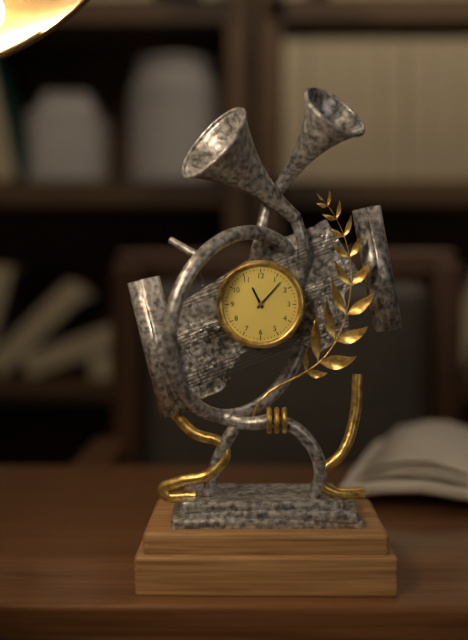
11:07
